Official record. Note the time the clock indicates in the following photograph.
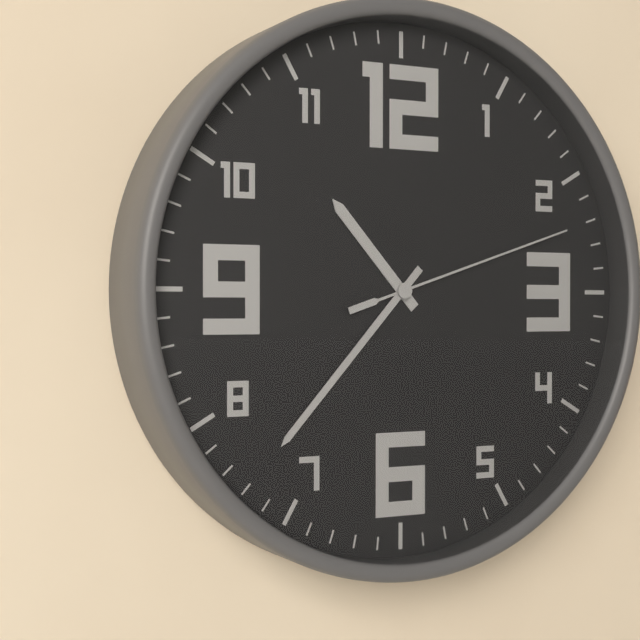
10:37:12
